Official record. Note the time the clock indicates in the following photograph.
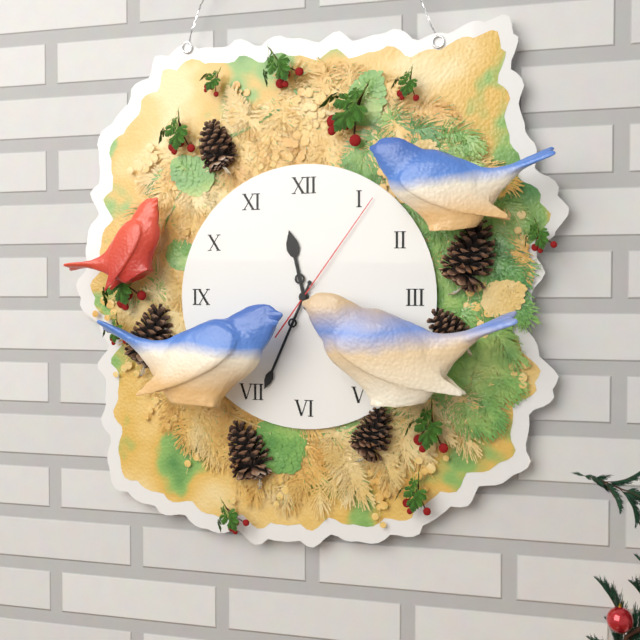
11:34:06
